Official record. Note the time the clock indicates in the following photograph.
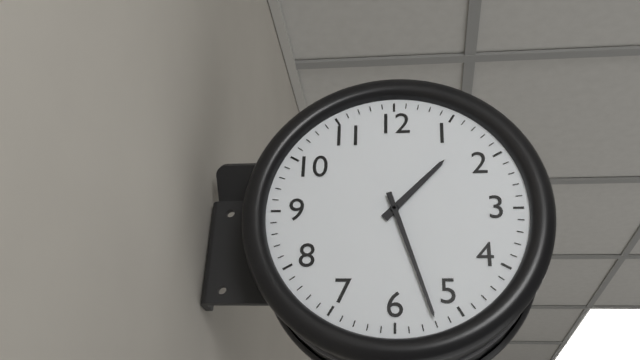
1:27
